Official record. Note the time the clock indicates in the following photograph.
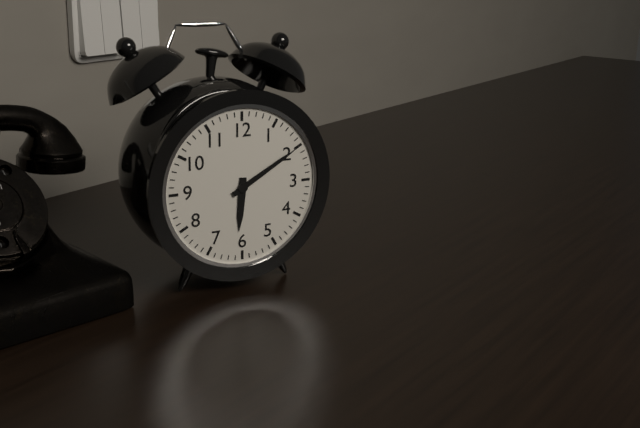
6:10
